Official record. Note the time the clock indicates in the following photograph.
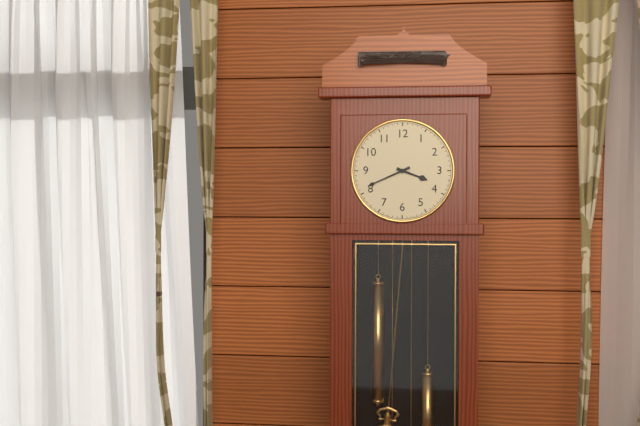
3:41
